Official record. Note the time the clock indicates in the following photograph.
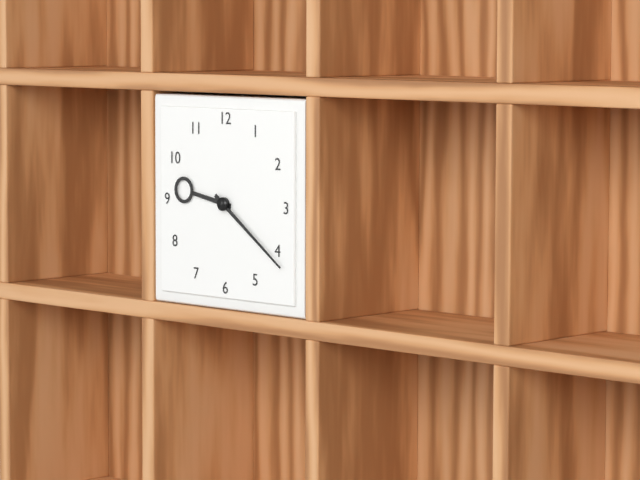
9:21
